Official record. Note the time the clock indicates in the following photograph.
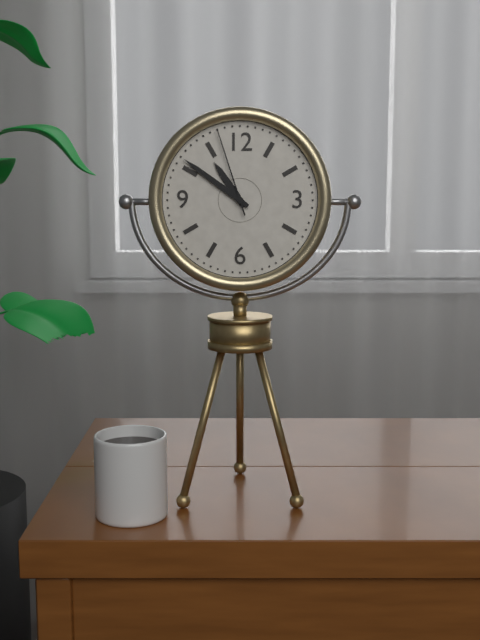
10:51:57
